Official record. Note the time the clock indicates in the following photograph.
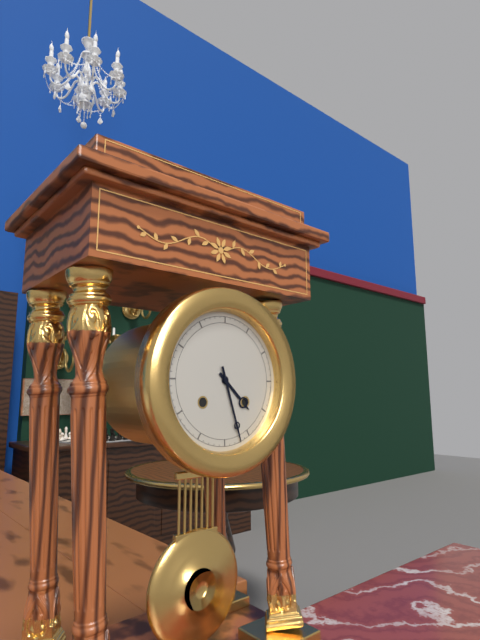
4:27
